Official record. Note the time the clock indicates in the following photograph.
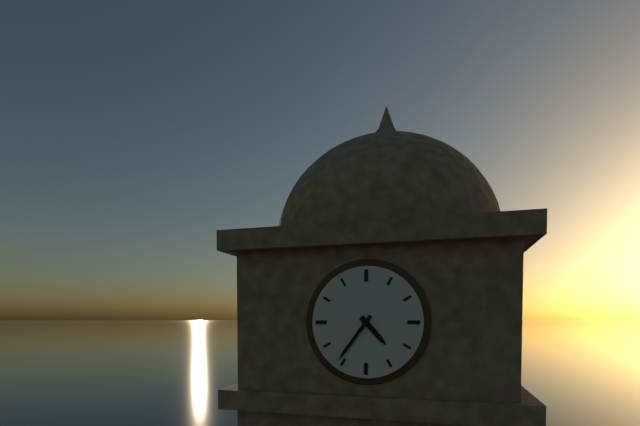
4:36
